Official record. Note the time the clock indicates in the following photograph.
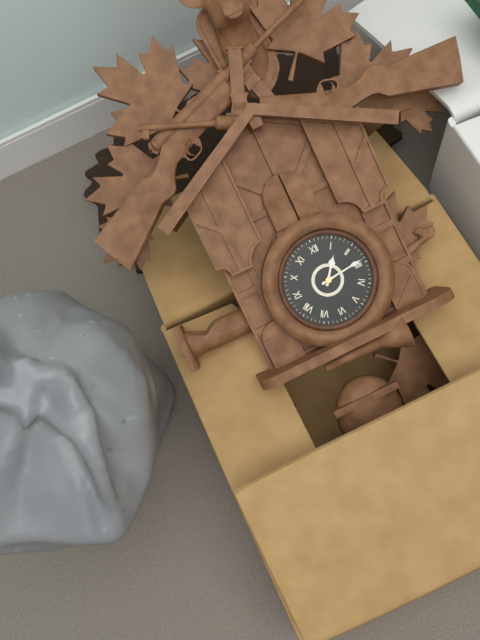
1:14
